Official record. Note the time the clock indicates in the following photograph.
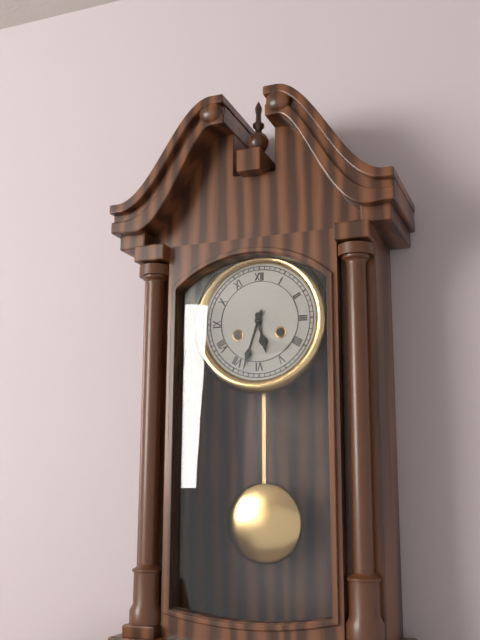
5:33
